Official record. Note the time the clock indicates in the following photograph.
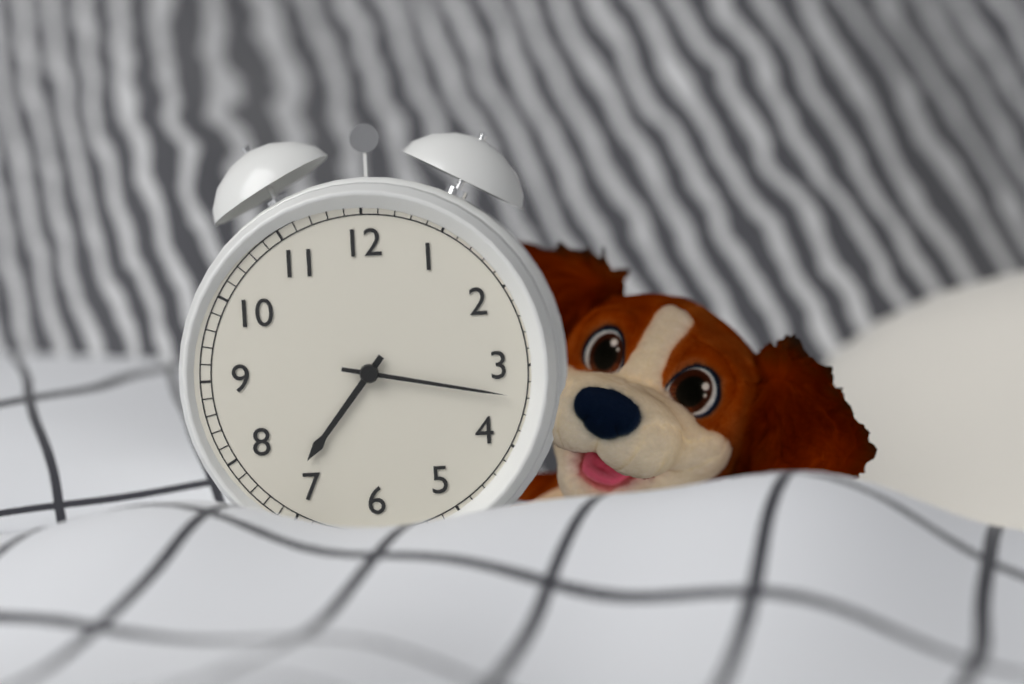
7:17
